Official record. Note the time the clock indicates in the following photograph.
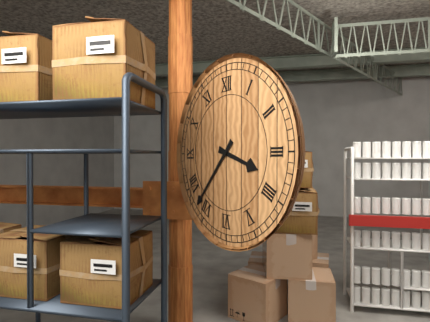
3:37
